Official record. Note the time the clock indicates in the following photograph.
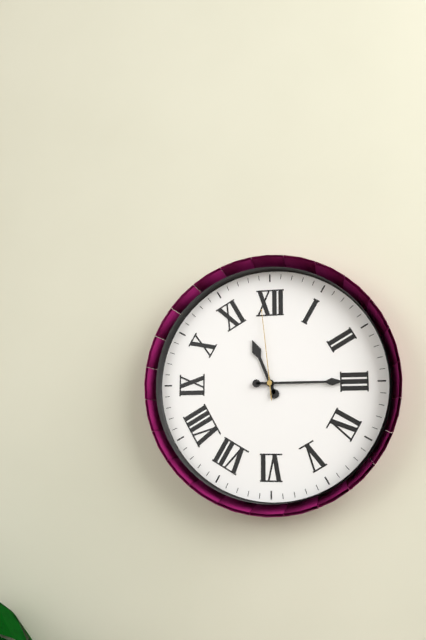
11:15:59
